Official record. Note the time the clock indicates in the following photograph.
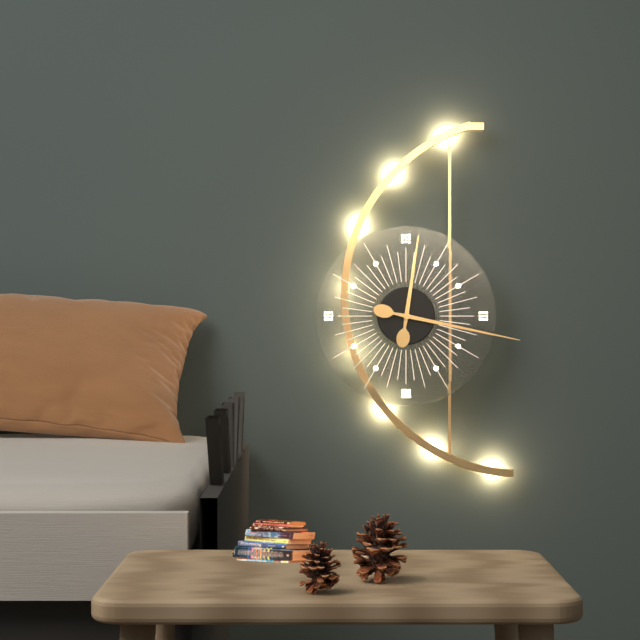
12:17
